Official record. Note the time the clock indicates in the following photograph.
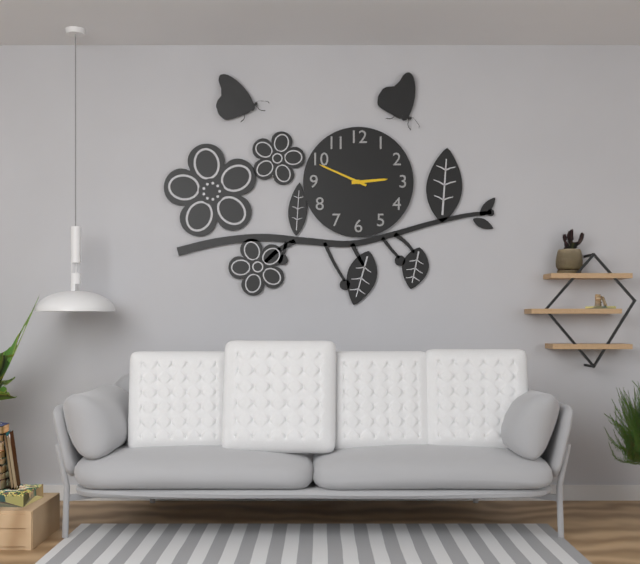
2:49
